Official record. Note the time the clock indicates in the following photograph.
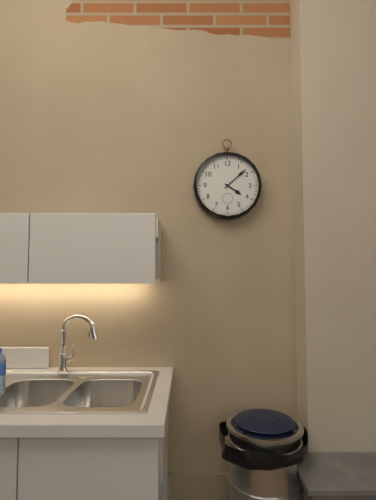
4:08
